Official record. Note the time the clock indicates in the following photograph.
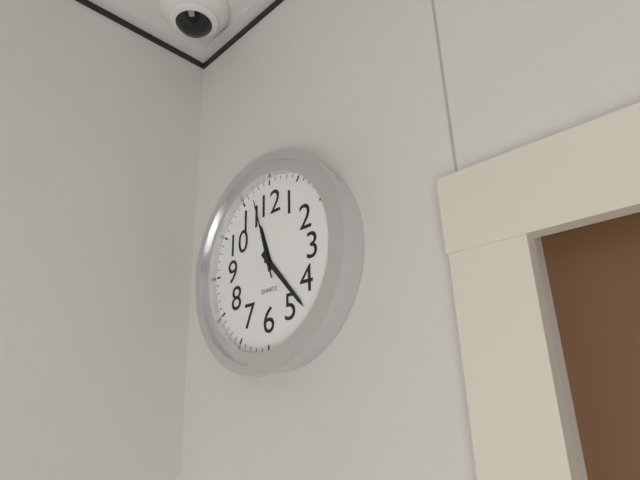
11:23:57
